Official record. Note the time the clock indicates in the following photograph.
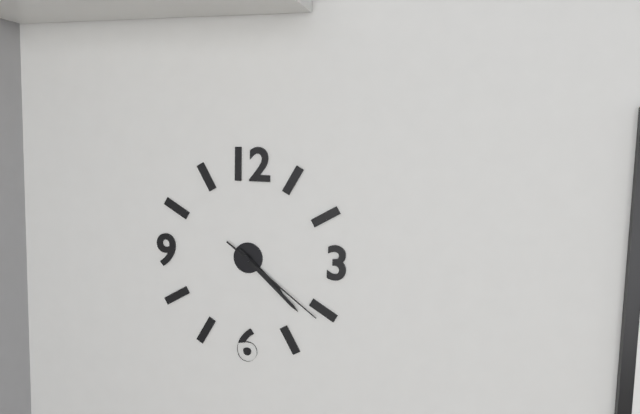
4:22:21
